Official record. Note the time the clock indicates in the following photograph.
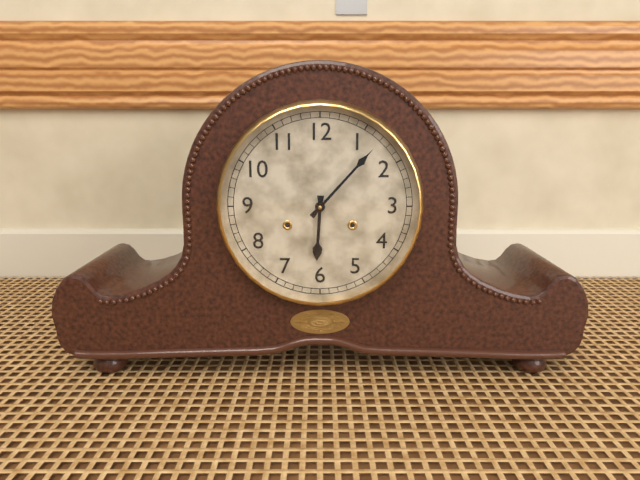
6:07
